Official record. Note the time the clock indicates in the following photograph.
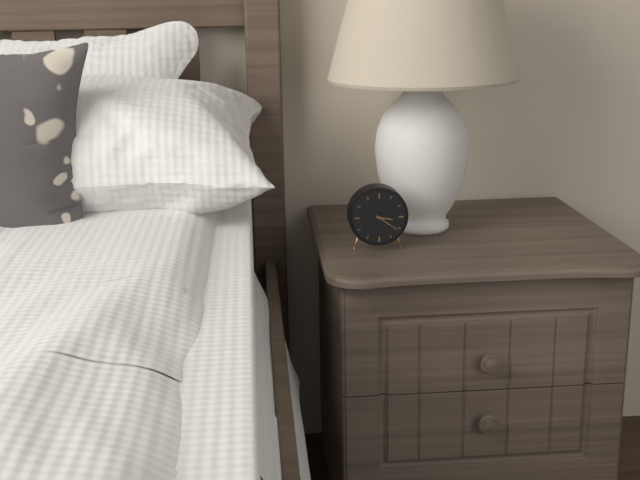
3:21
